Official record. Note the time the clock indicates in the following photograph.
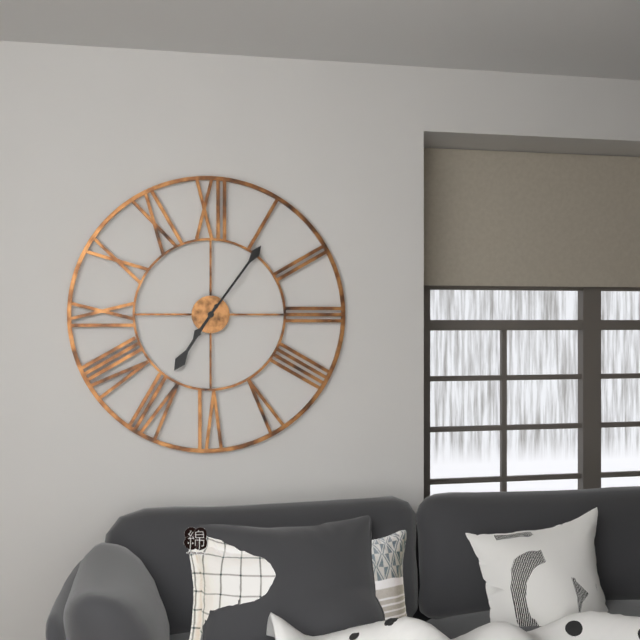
7:06
